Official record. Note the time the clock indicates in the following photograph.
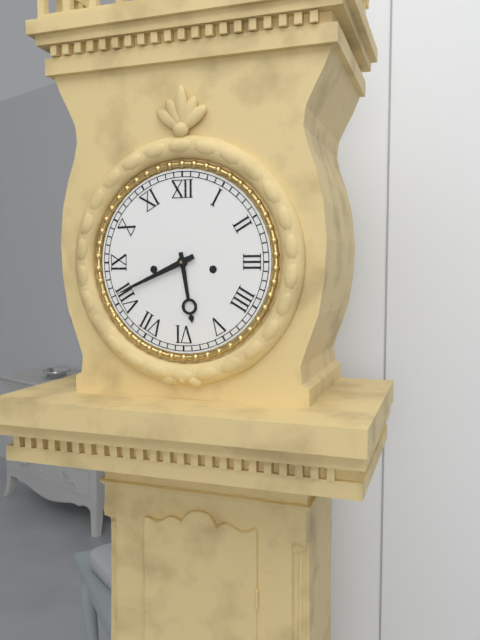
5:41
